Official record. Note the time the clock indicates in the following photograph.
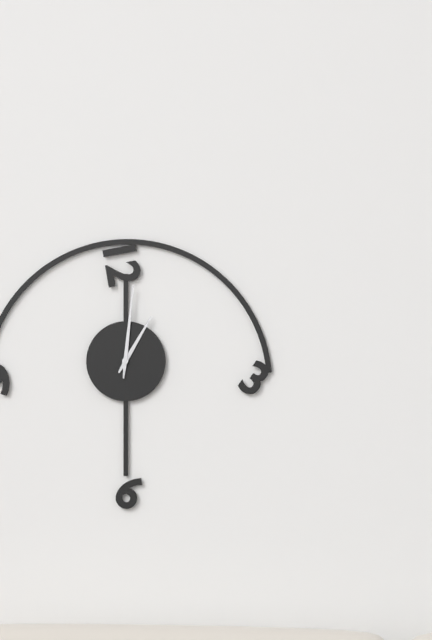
1:01
